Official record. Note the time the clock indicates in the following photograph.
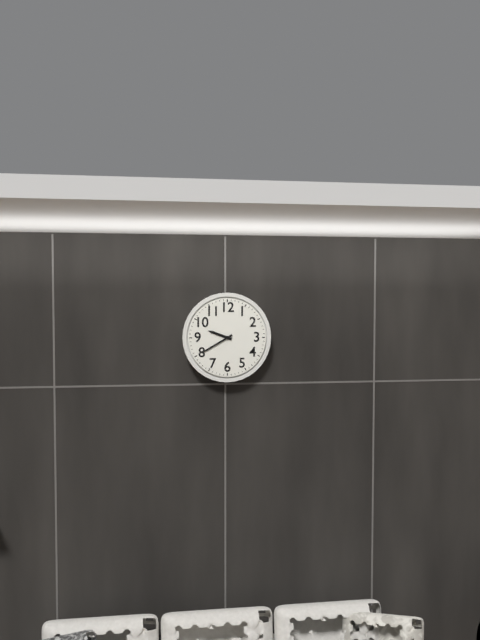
9:40
